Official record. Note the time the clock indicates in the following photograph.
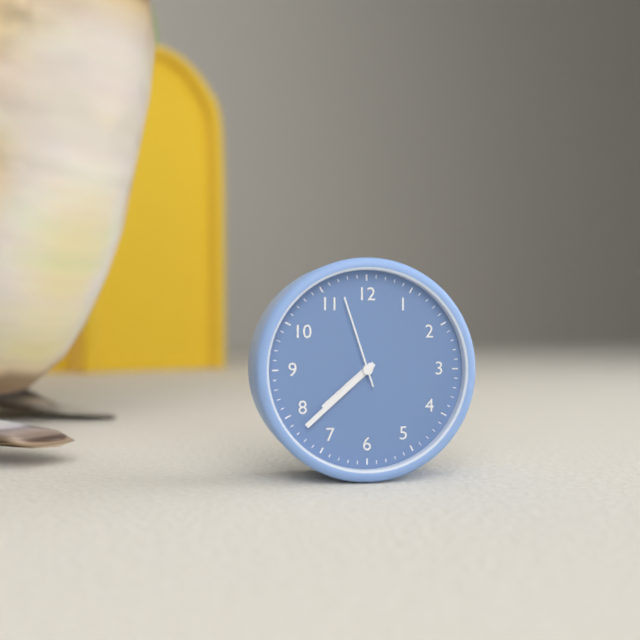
7:38:57
